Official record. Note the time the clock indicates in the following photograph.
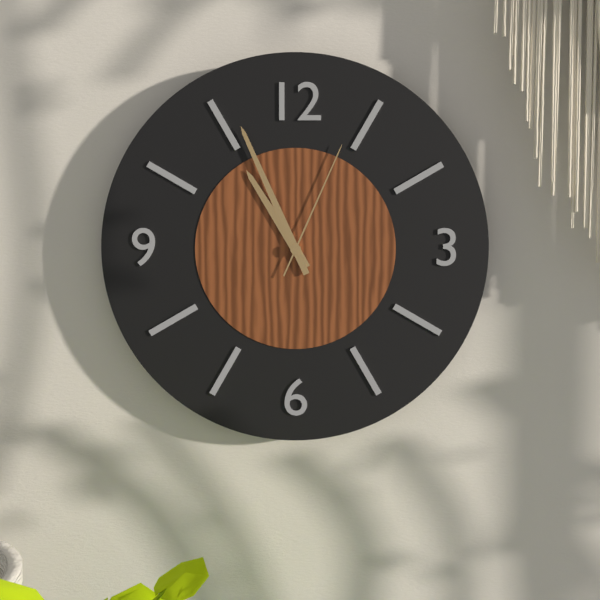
10:56:04
